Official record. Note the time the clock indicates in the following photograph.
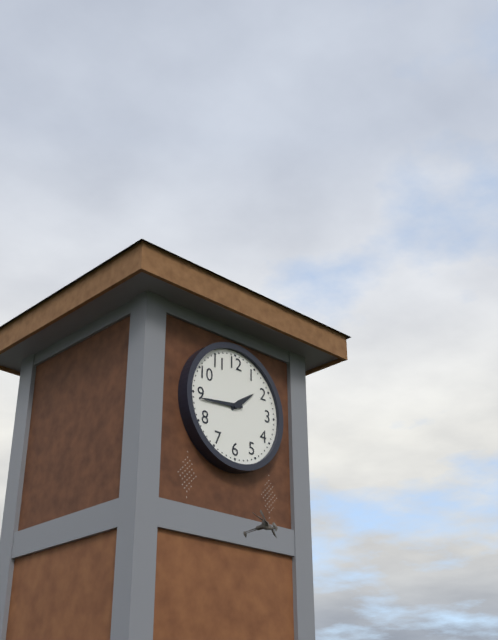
1:44
